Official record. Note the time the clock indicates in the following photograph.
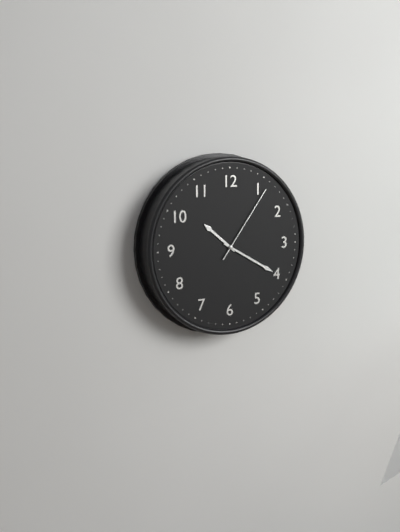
10:20:06
